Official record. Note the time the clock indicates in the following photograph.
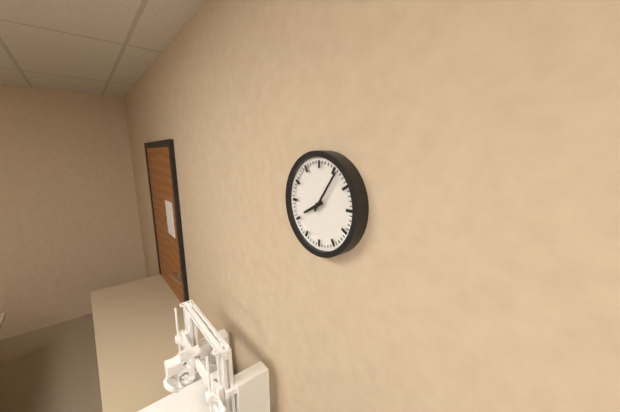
8:06
